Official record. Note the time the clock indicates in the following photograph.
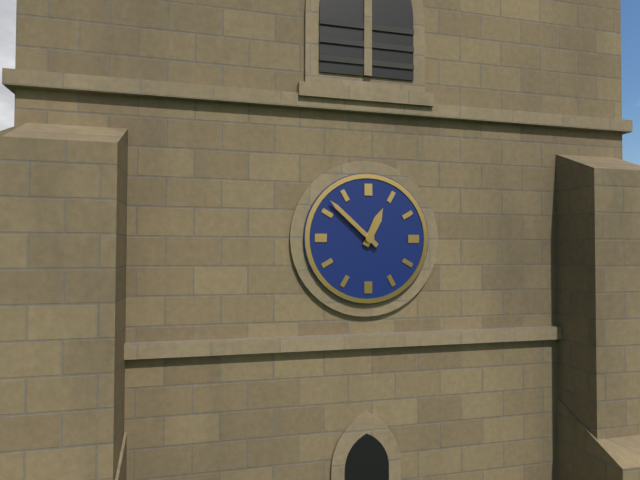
12:52
